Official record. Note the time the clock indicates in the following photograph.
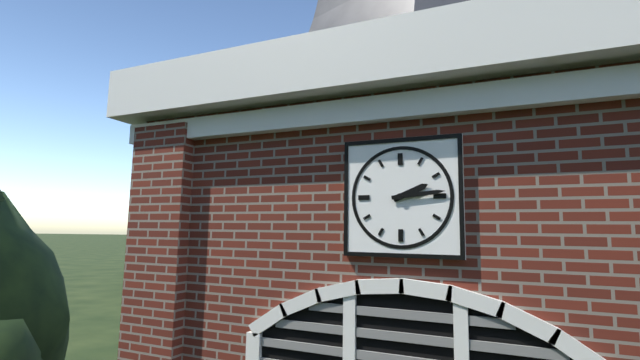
2:14
